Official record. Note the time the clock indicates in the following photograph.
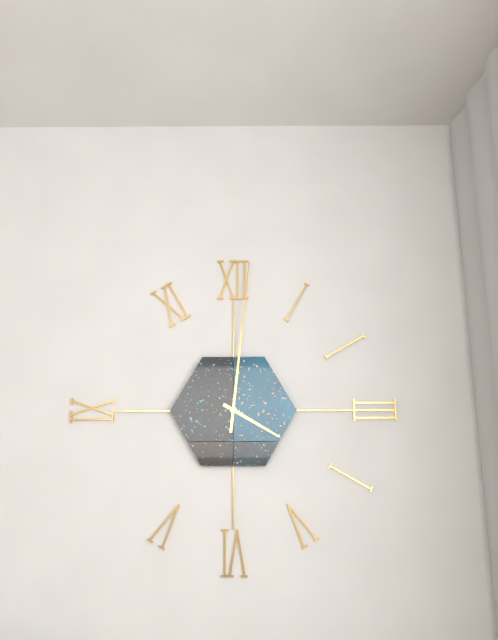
4:01
